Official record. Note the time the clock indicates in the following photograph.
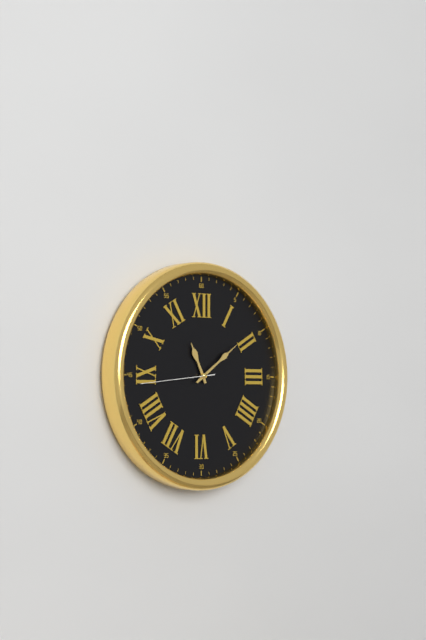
11:09:44
